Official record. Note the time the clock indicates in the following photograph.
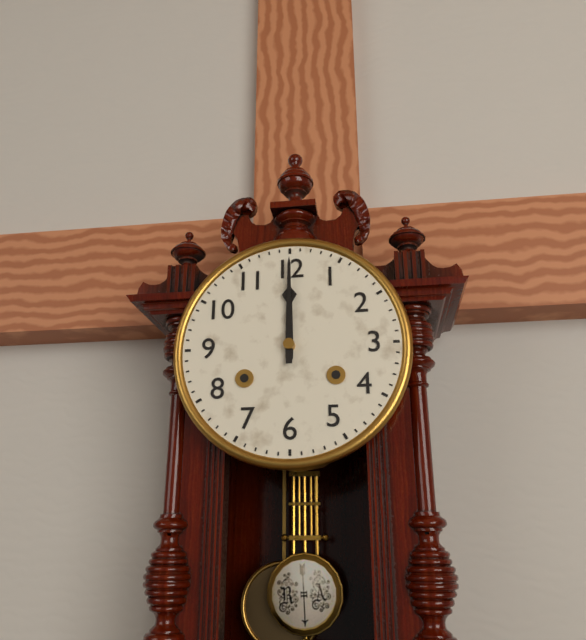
12:00
